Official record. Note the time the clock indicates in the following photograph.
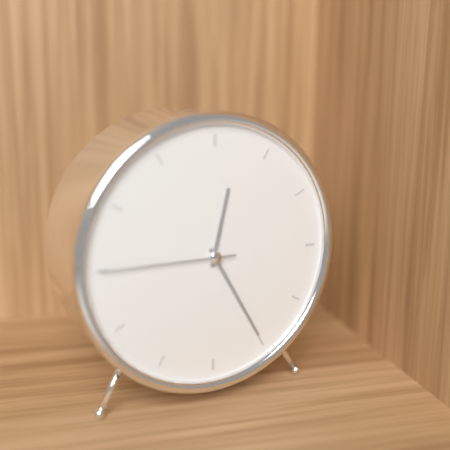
12:25:45
